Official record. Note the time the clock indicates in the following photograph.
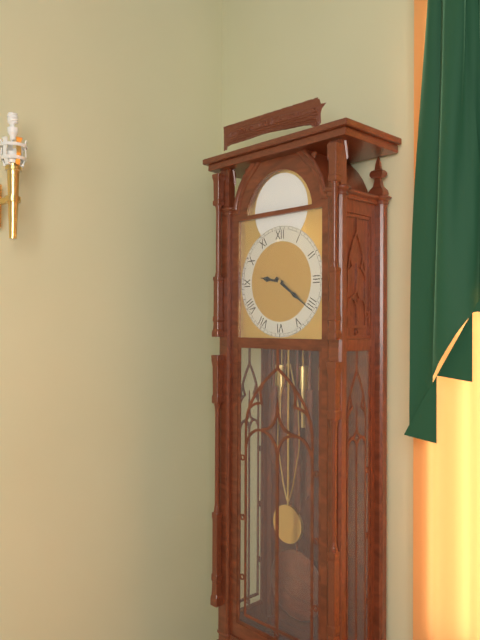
9:21
